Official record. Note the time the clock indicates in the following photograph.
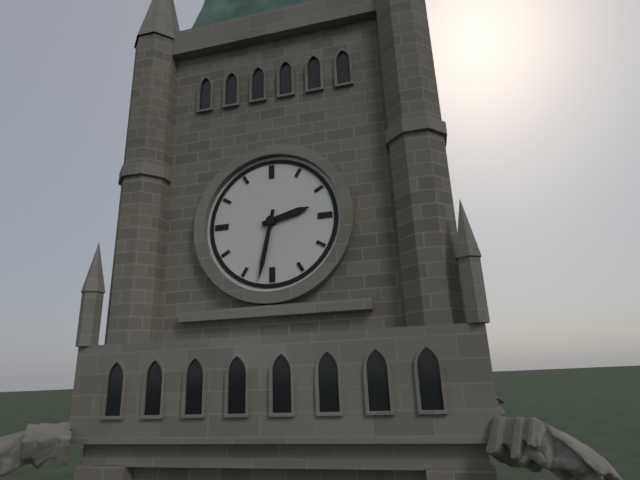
2:32
